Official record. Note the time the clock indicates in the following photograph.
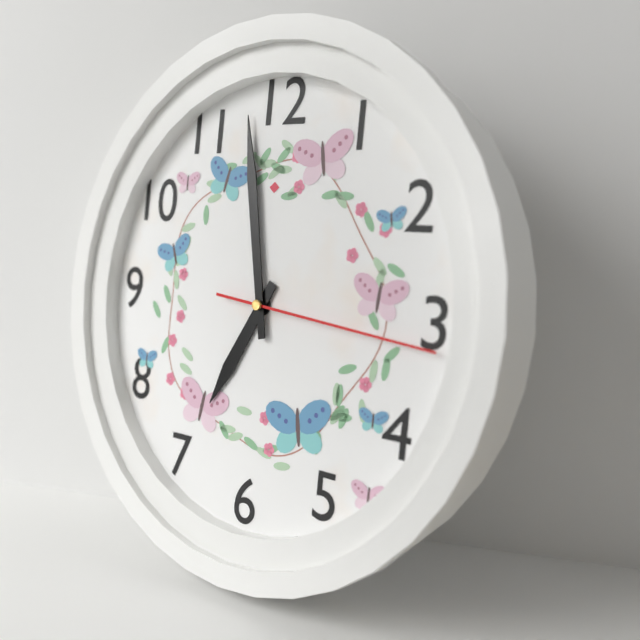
6:58:16
